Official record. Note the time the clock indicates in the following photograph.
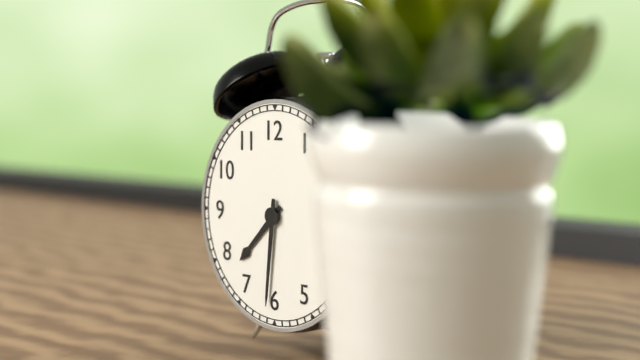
7:31
